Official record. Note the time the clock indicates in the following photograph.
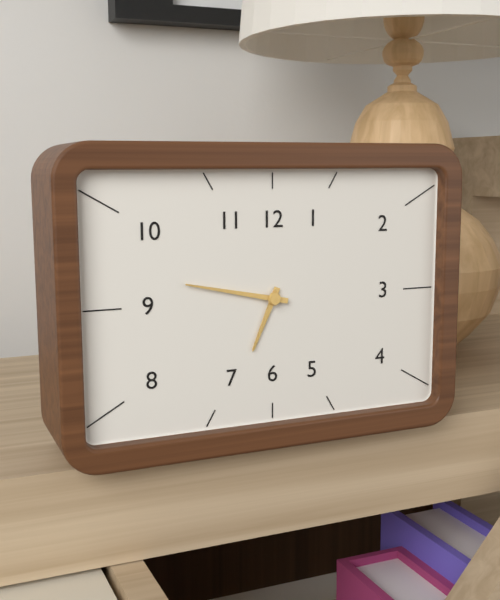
6:47
